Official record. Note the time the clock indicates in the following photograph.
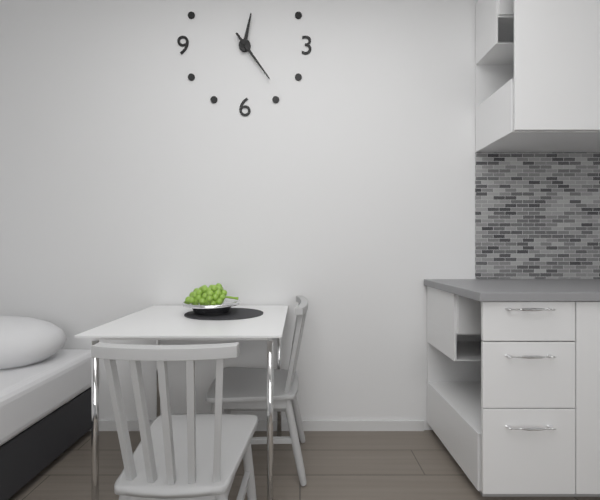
12:24
